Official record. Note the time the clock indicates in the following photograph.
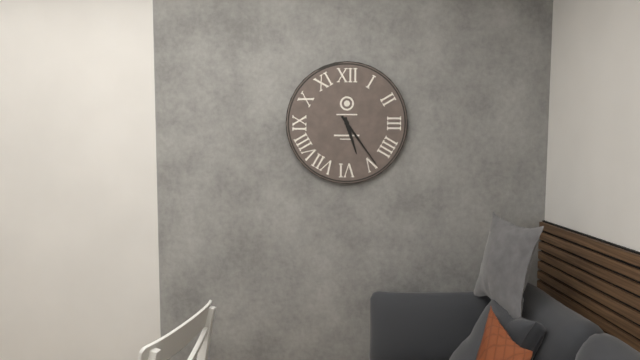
5:24
